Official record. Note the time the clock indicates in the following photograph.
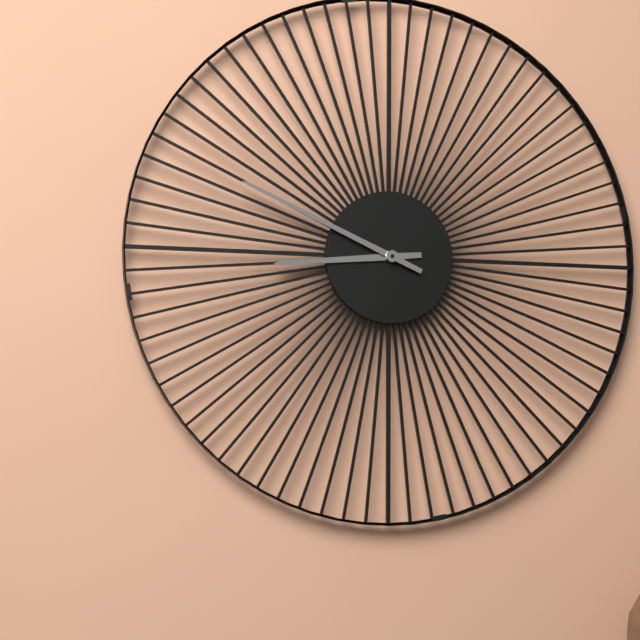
8:49
